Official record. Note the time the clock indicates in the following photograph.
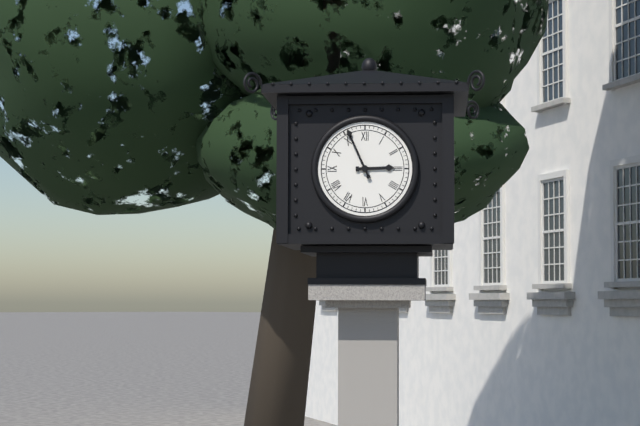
2:56
